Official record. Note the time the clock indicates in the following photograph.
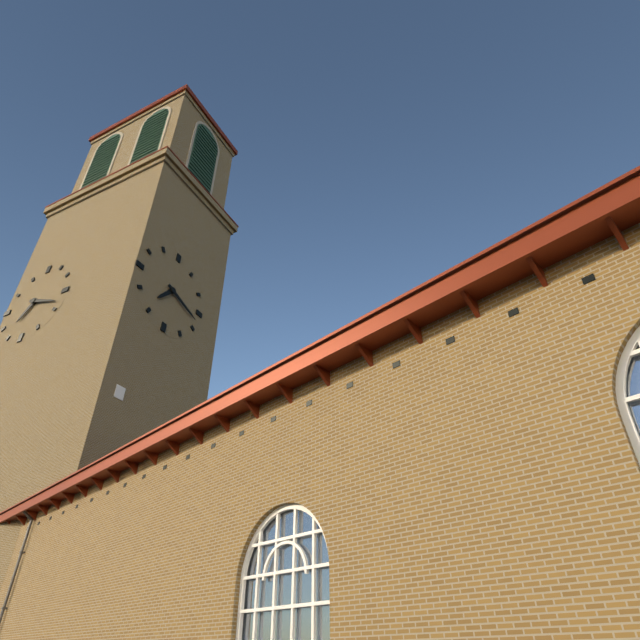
7:18
